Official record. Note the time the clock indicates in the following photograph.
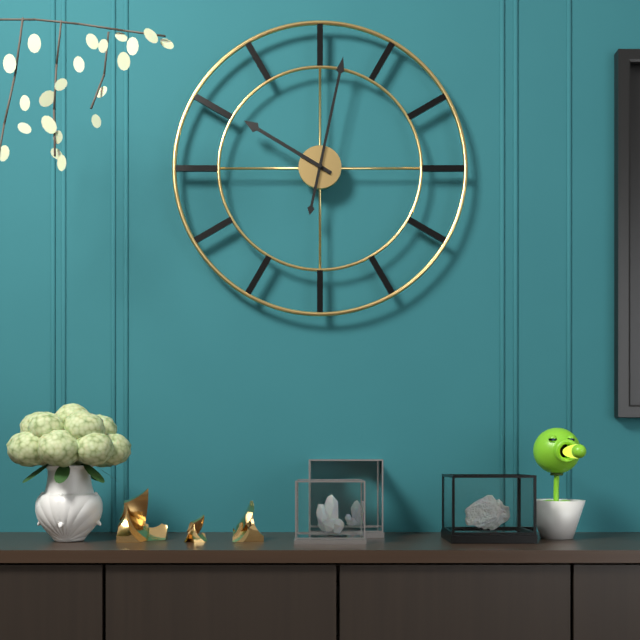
10:02
